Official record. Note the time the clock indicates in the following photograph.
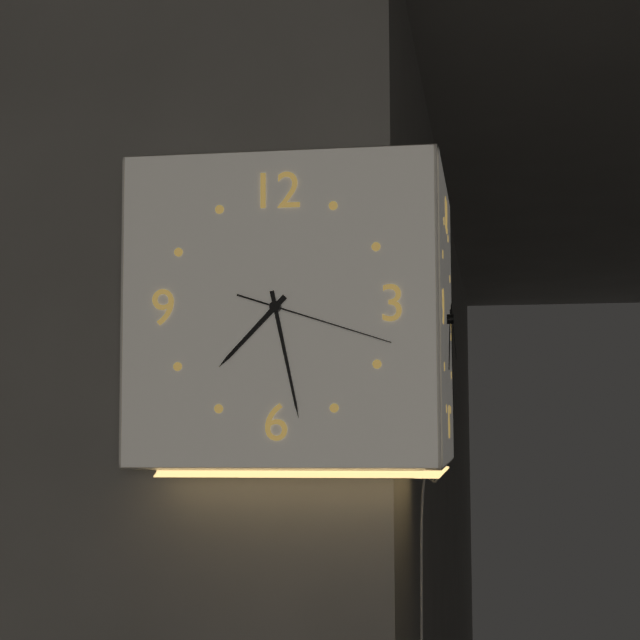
7:28:18
